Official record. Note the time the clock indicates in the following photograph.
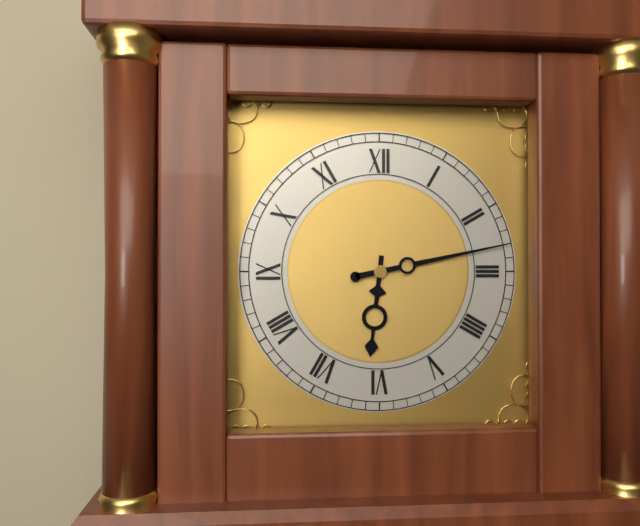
6:13
